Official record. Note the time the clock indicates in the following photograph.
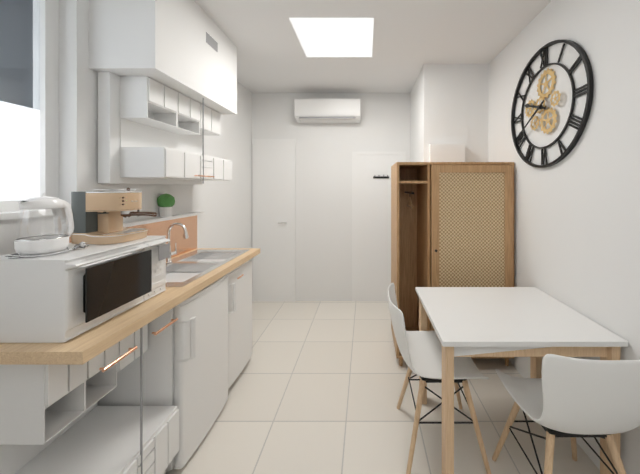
9:40
